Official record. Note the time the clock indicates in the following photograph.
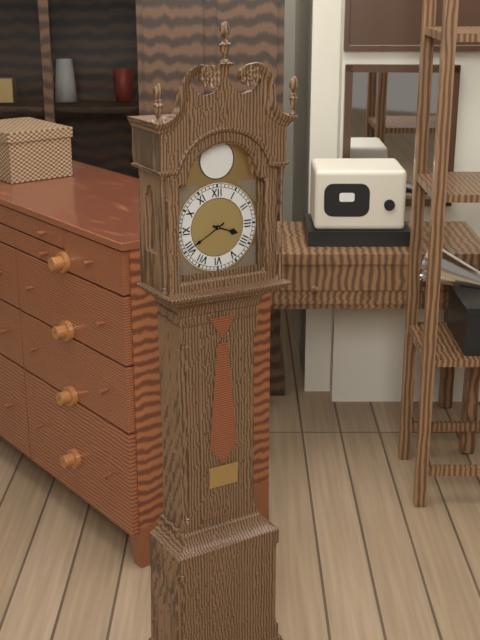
3:40
